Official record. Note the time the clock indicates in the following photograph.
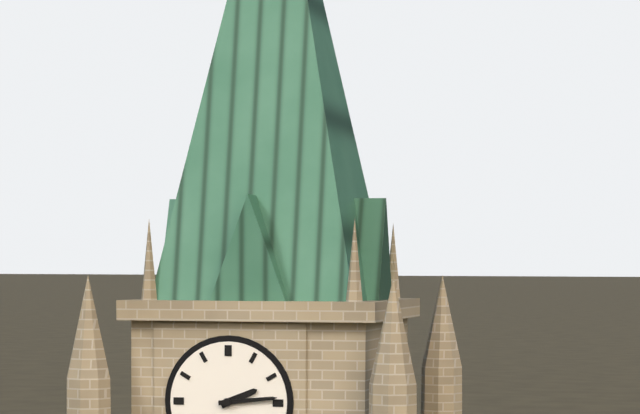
2:14
